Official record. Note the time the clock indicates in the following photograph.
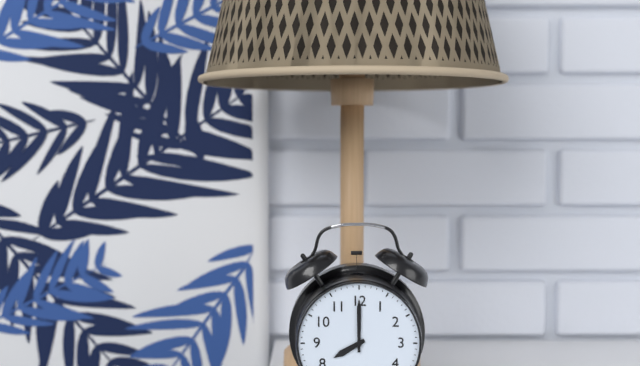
8:00
